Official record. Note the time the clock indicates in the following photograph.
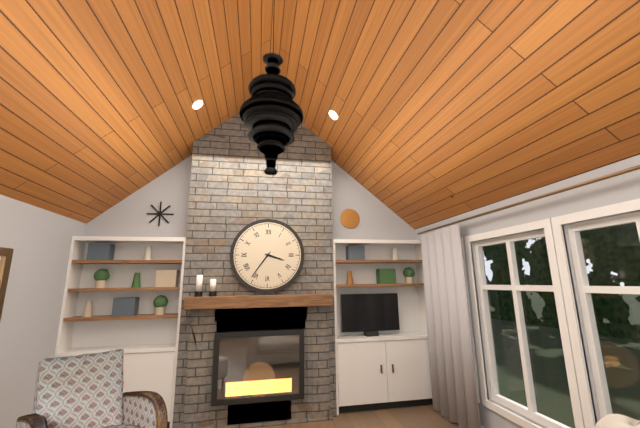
3:36
